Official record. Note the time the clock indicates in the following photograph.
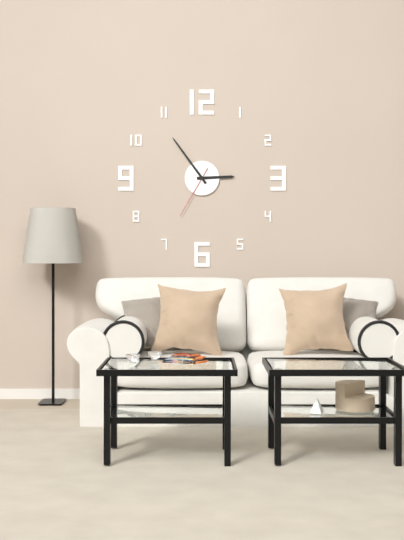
2:54:35
